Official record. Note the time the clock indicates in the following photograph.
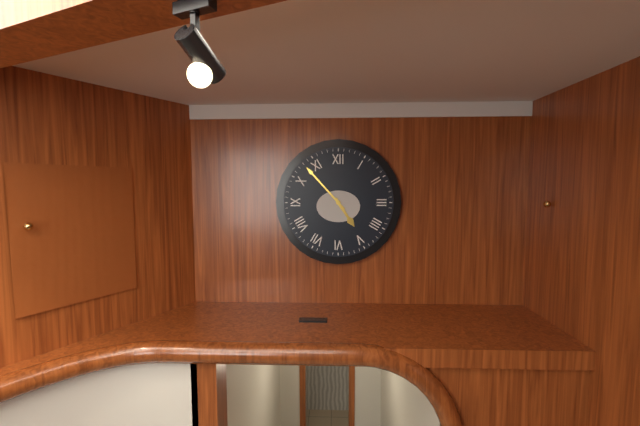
4:53
